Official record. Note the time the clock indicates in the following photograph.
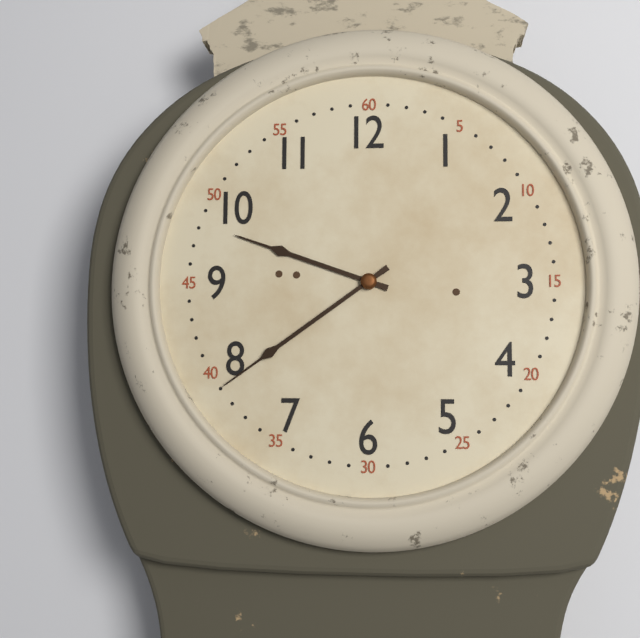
9:39
